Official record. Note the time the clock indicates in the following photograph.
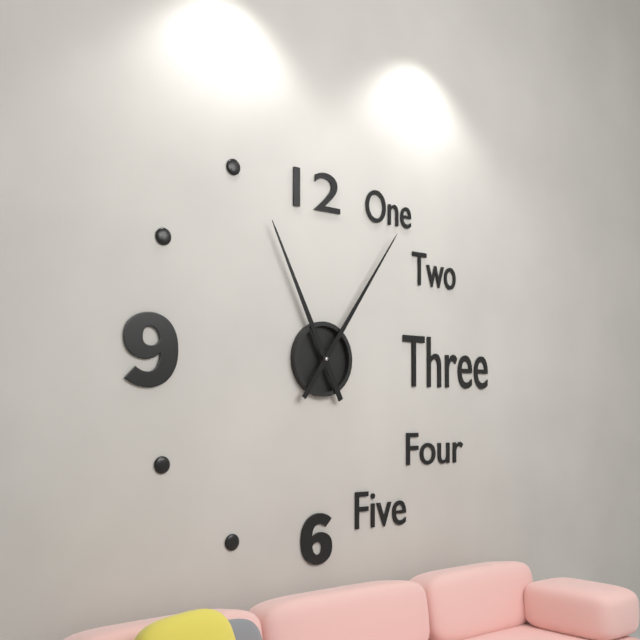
11:06
